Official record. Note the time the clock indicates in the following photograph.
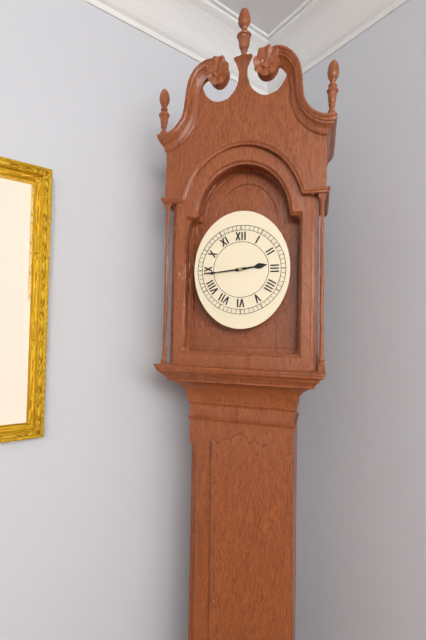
2:44
